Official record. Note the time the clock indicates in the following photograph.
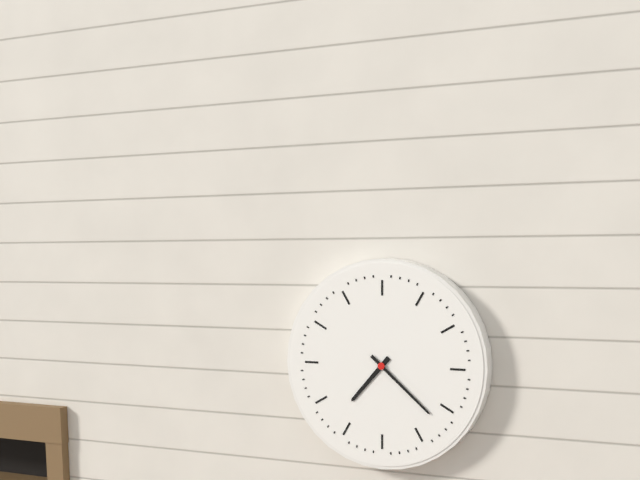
7:22
